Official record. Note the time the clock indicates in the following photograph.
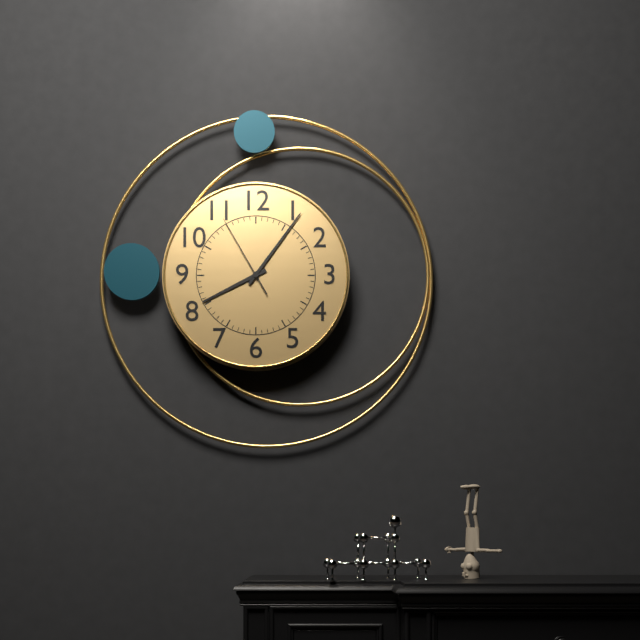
8:06:55
